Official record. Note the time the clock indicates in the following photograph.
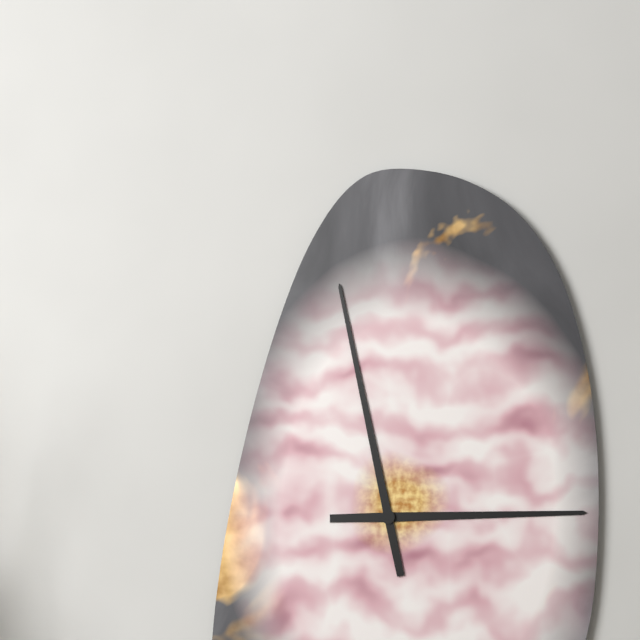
2:58
